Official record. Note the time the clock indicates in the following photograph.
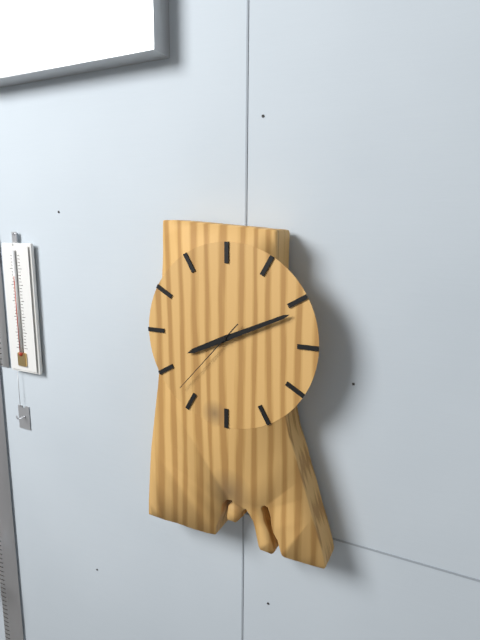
8:11:37
